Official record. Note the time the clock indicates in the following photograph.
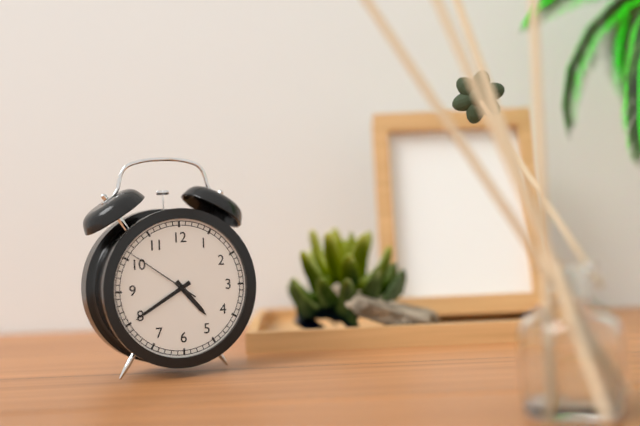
4:40:51
